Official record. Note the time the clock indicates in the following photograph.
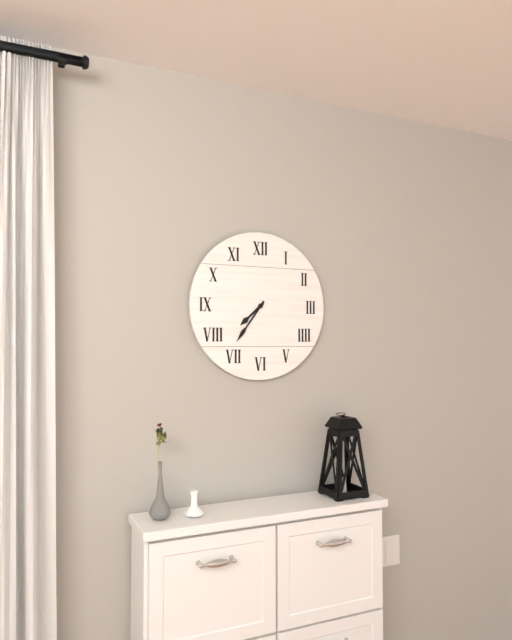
7:36
